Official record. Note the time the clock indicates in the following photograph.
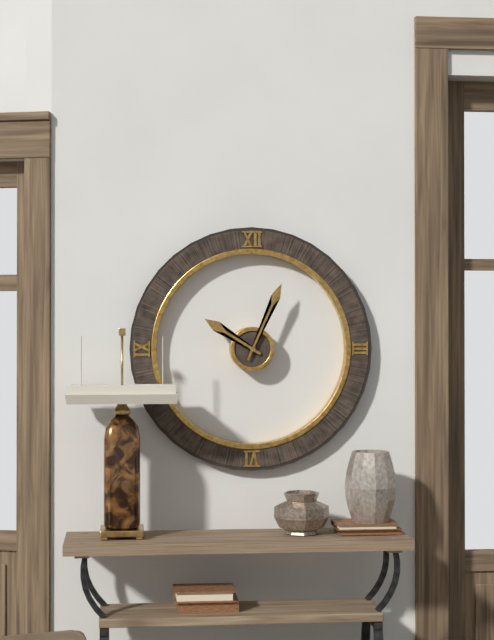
10:04
